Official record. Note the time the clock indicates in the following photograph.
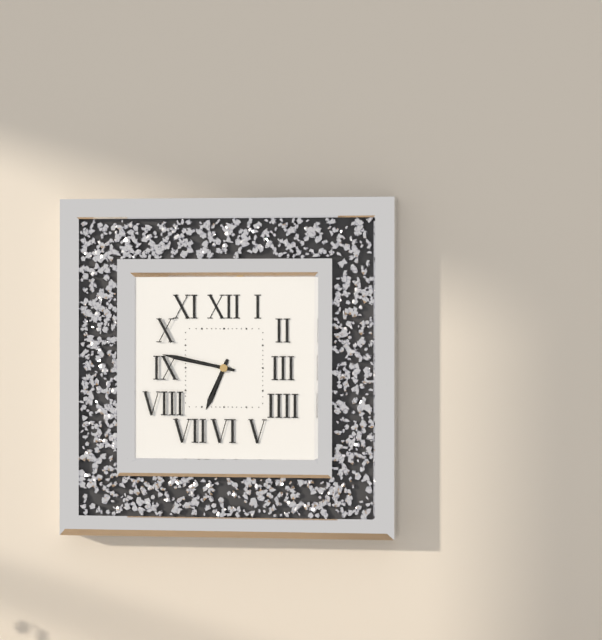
6:47
